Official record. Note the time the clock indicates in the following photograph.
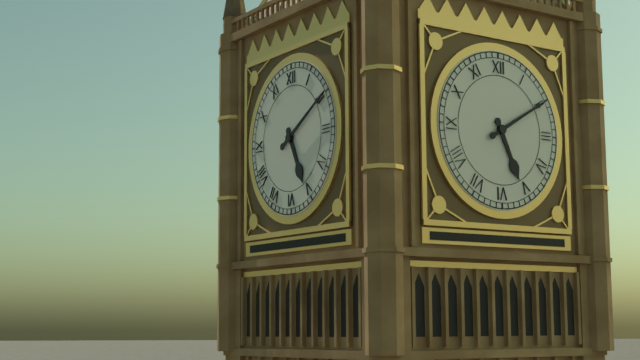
5:10
